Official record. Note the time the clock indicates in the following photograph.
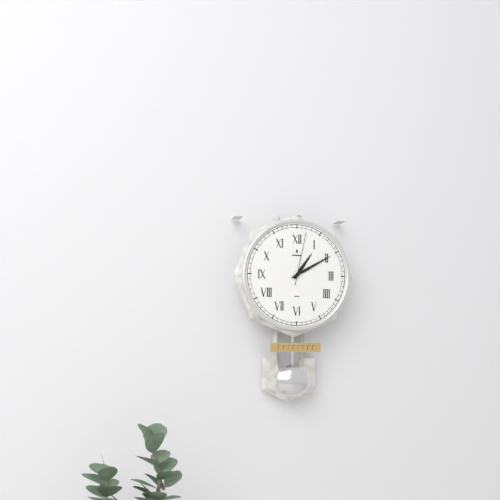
1:10:02
